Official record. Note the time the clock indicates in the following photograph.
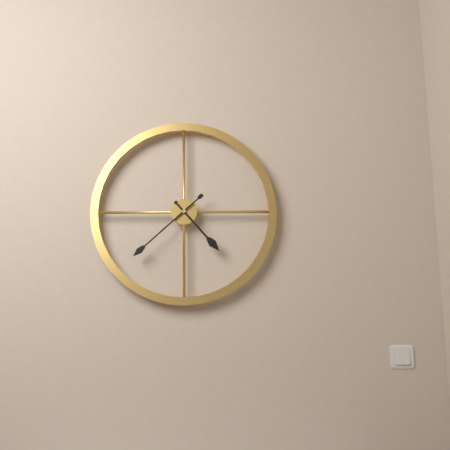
4:38
